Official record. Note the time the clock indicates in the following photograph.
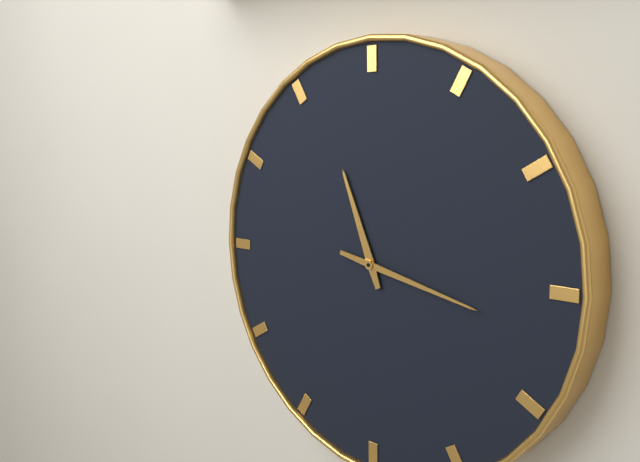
11:17
